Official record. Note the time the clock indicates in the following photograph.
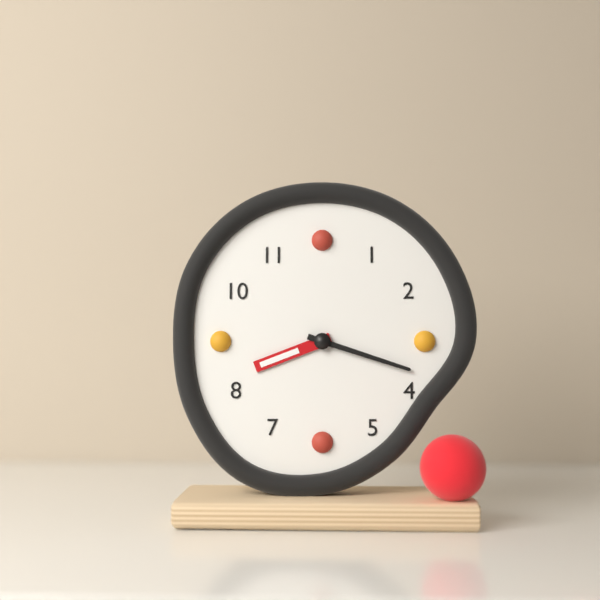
8:18
